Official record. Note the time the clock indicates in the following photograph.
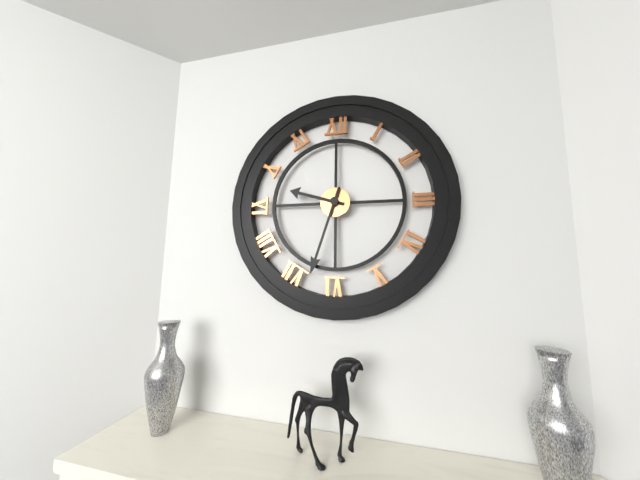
9:33
